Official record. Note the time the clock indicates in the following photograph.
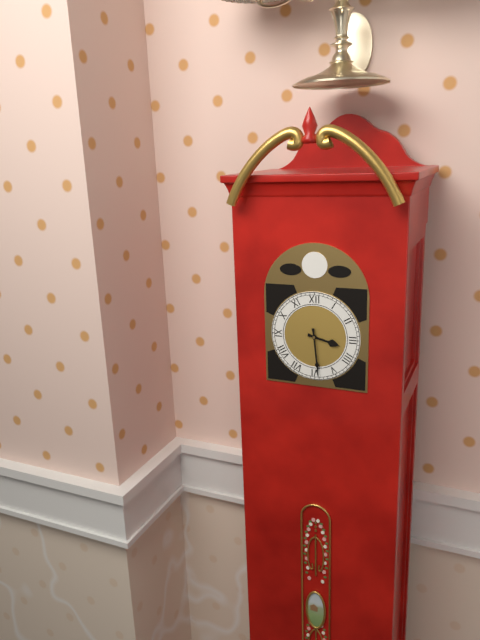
3:29
